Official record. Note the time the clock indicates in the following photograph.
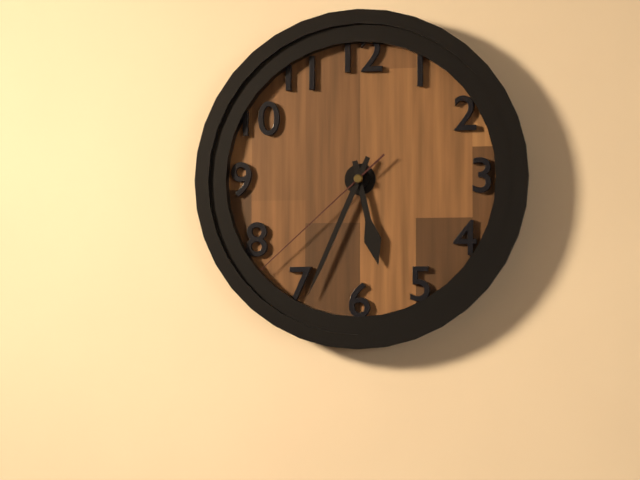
5:34:38
